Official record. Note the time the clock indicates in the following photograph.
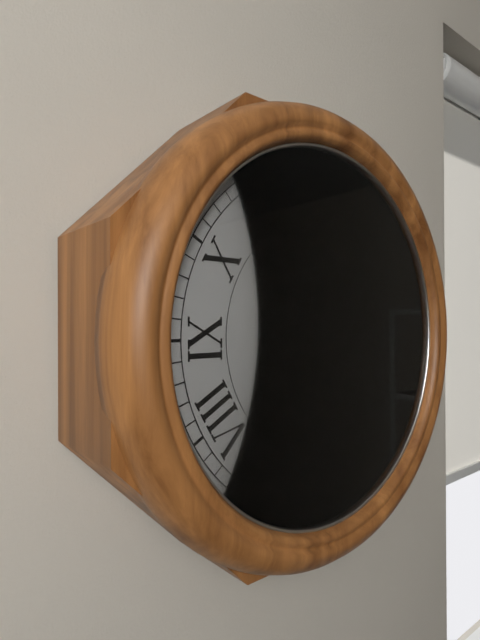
3:35
